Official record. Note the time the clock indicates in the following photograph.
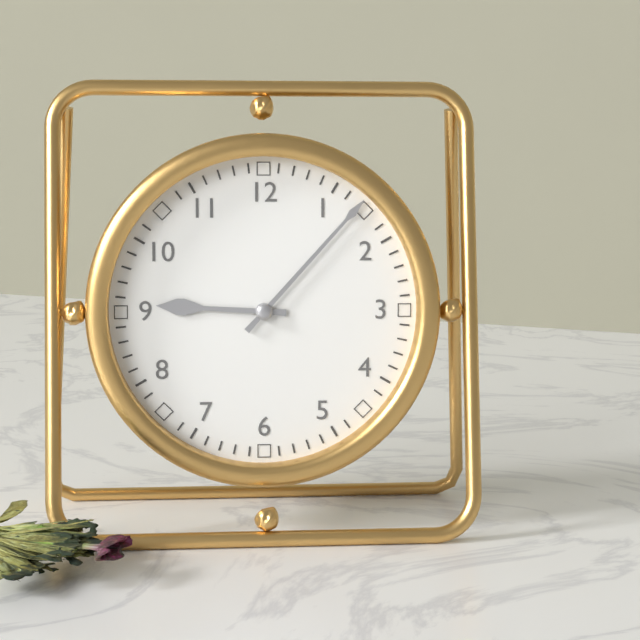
9:07
